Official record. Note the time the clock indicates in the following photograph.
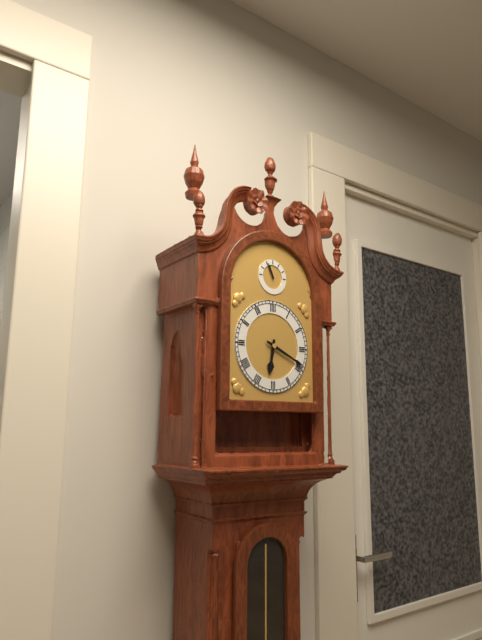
6:19
